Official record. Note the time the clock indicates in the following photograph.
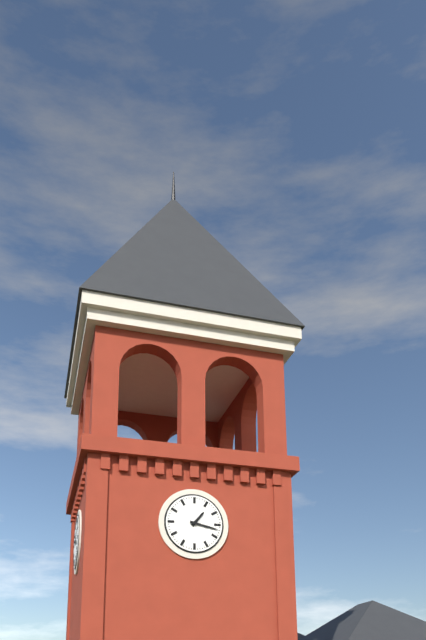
1:17
